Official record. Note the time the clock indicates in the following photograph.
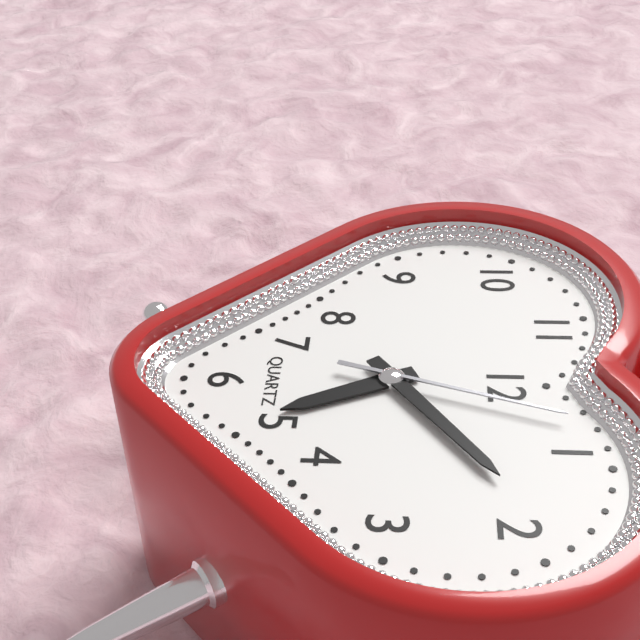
5:09:03
